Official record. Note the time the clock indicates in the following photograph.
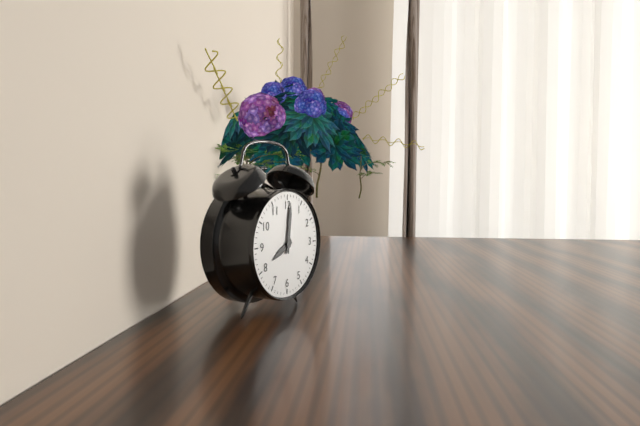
8:01
